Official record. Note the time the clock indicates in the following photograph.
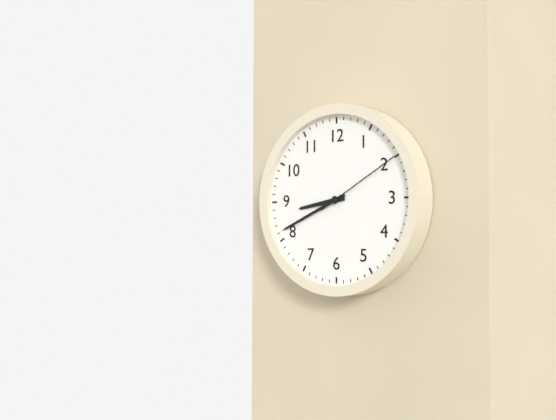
8:41:10
